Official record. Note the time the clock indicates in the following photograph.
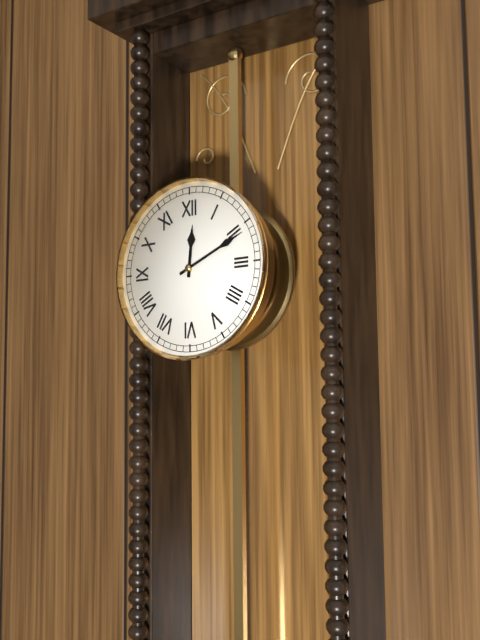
12:11
